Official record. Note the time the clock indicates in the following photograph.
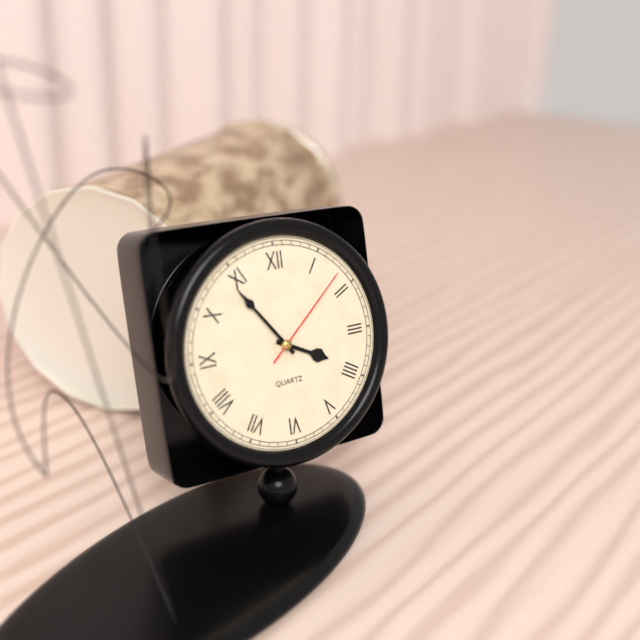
3:54:08
